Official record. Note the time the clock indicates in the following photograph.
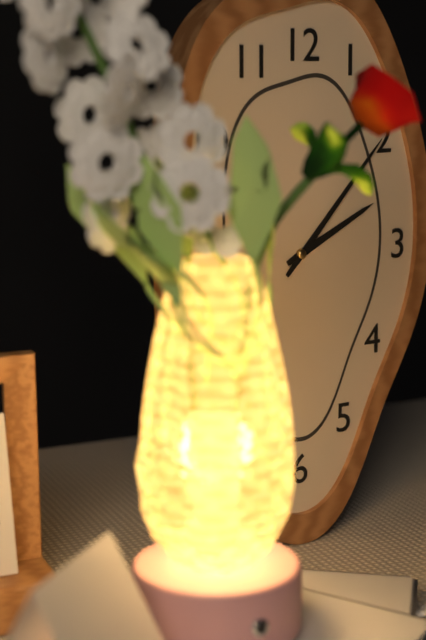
2:07
